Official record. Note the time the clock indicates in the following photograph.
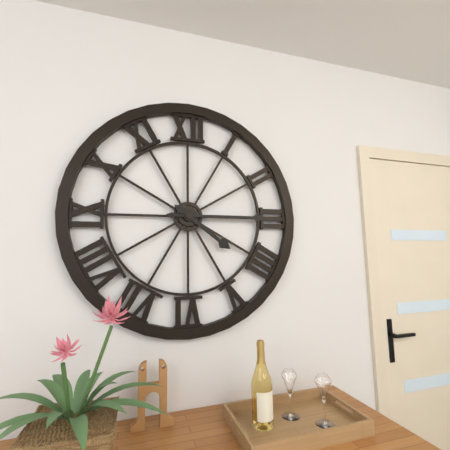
4:15
